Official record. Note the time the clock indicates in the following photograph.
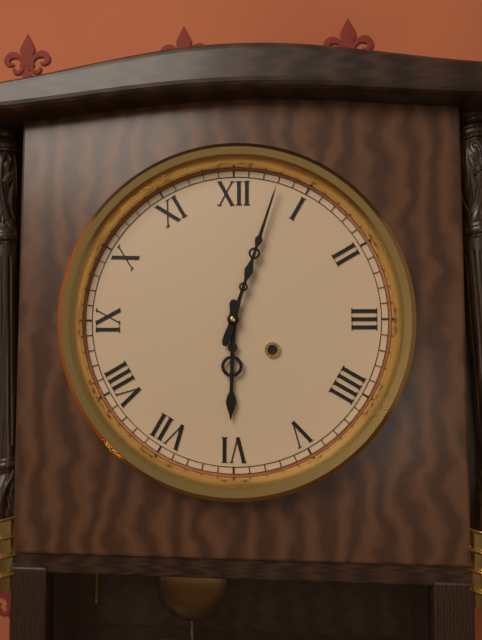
6:03
